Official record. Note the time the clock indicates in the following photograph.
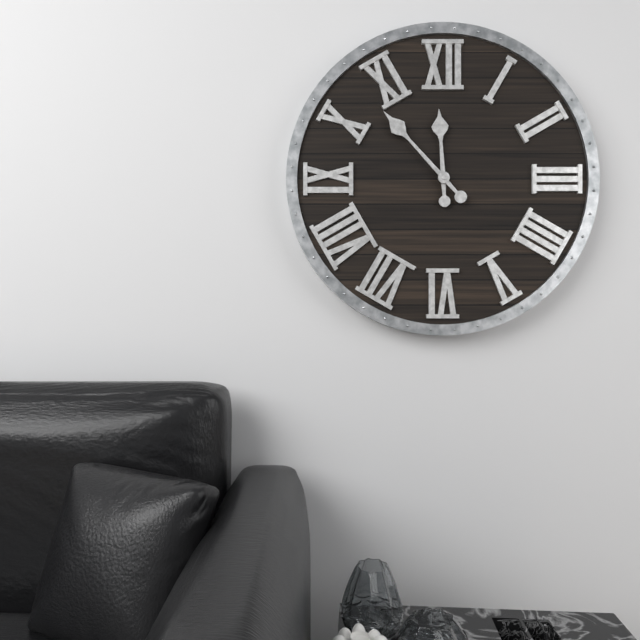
11:53
